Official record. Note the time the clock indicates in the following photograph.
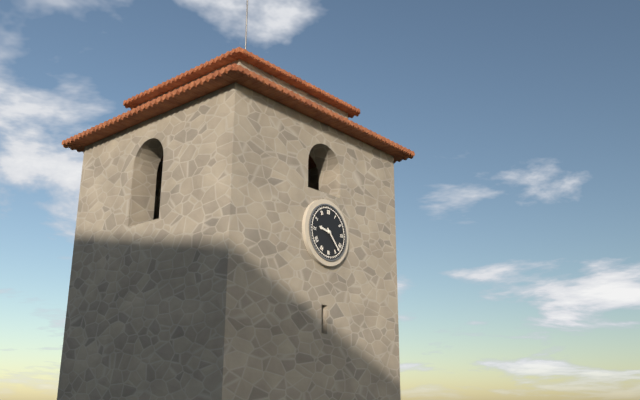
9:23
